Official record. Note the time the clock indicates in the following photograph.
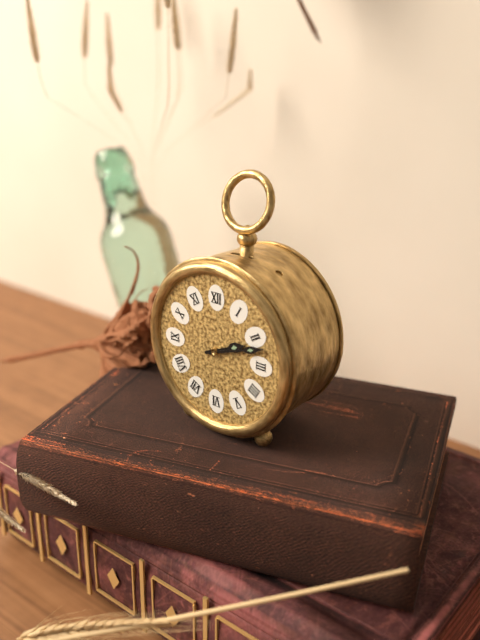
2:12
